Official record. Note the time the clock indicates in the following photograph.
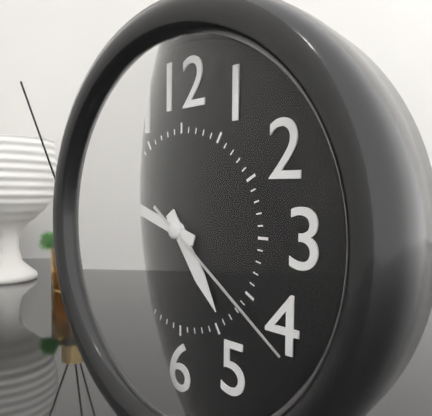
4:48:21
